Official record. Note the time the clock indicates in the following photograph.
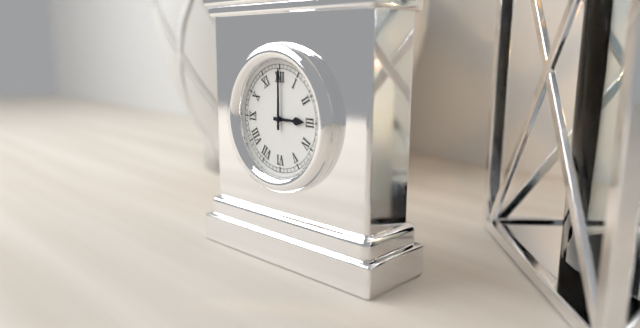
3:00
